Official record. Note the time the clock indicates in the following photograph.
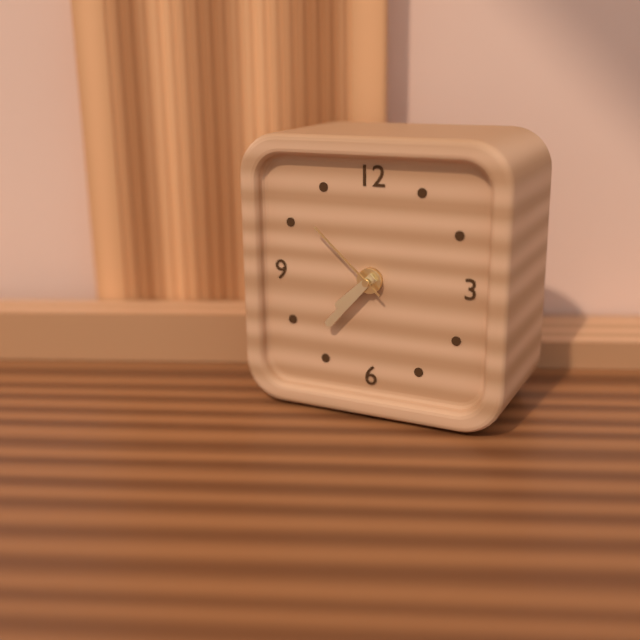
7:37:52
